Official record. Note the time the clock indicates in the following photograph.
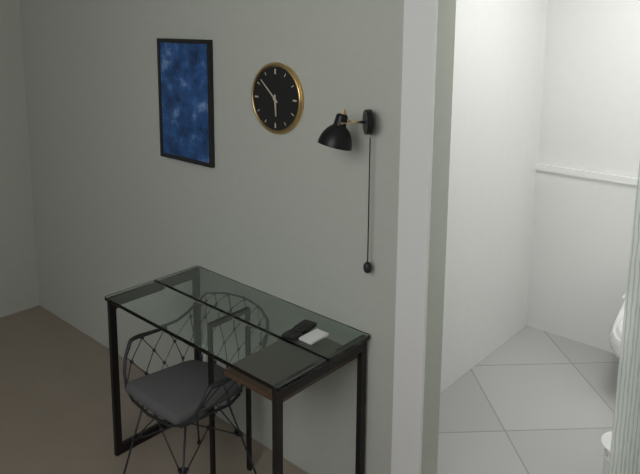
5:52
